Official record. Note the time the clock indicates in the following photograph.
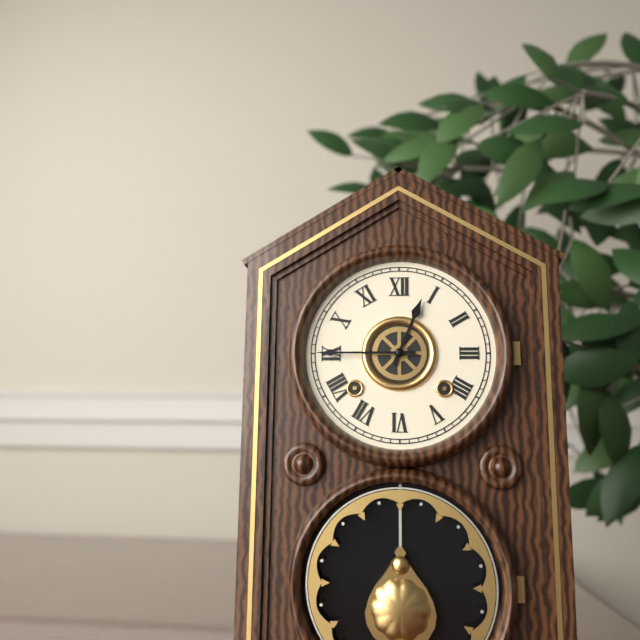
12:45
